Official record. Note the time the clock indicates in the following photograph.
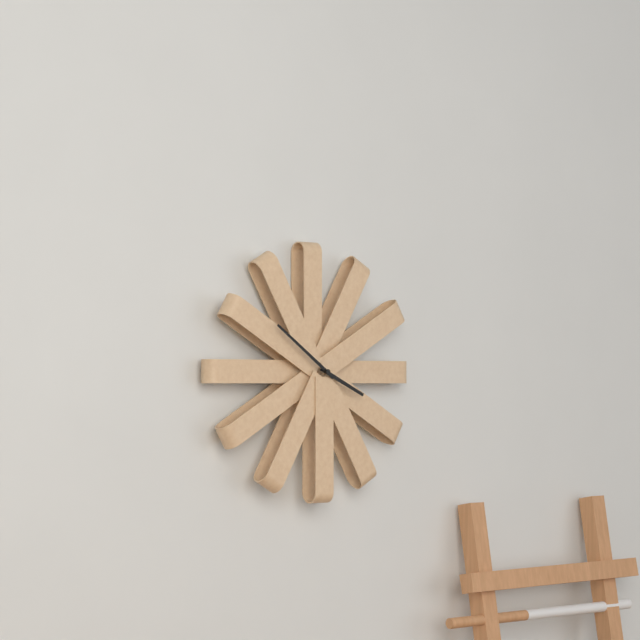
3:51
